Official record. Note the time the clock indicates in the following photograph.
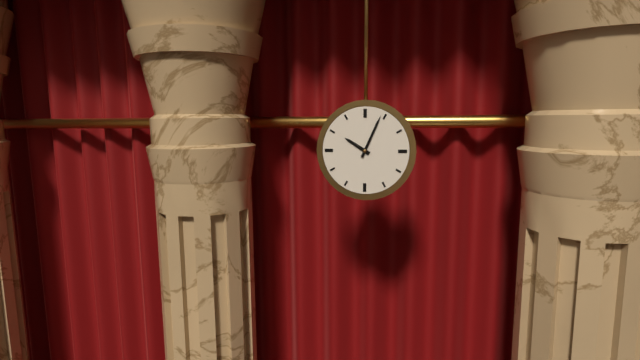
10:04
